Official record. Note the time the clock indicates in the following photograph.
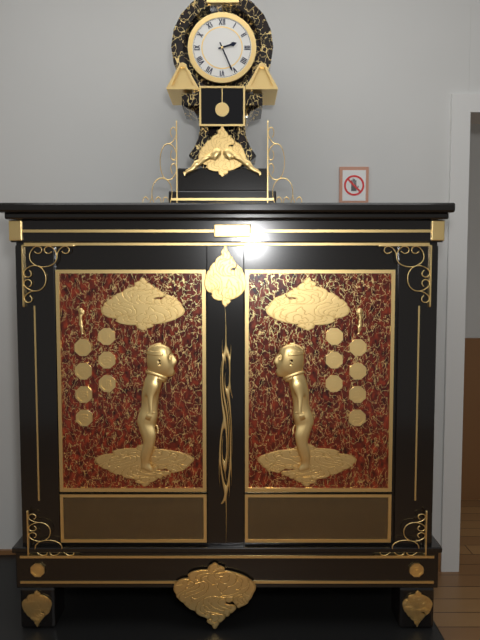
2:26
